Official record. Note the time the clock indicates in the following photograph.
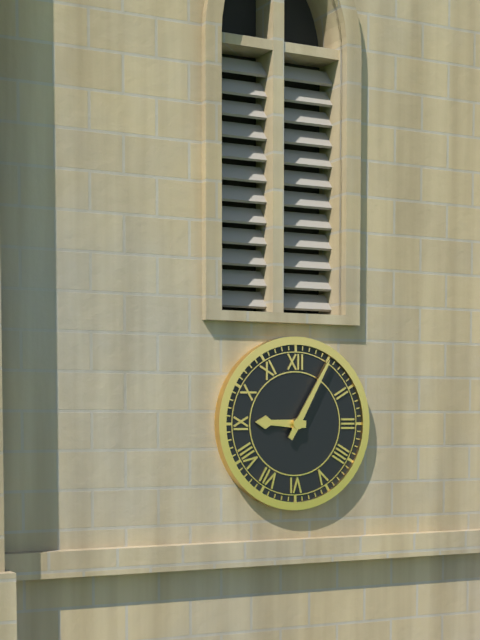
9:05
